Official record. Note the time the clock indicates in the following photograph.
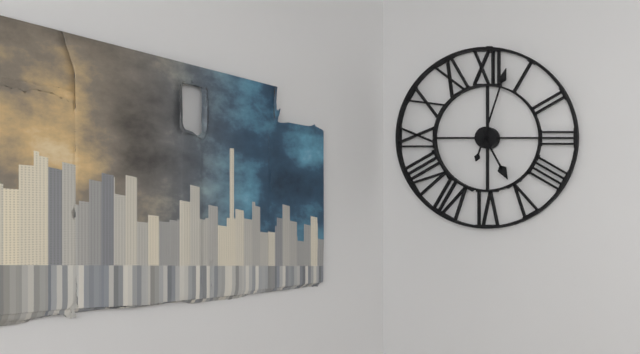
5:03
